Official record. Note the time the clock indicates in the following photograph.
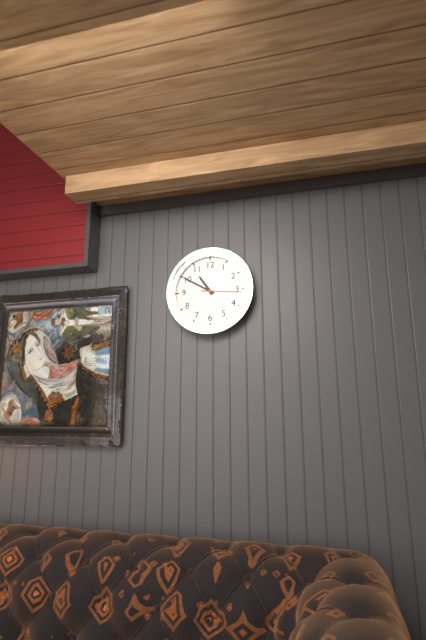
10:50
